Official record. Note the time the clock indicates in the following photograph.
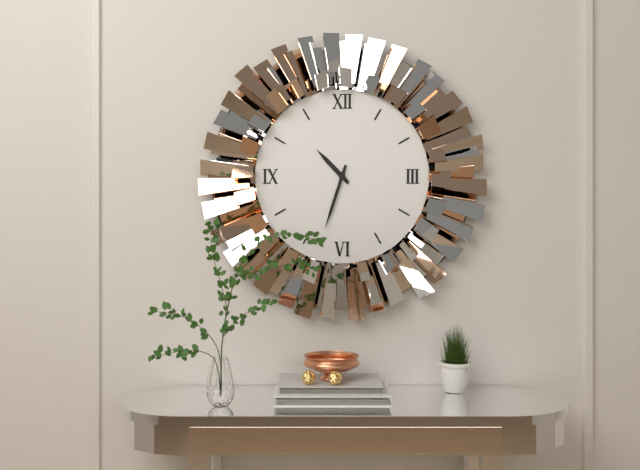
10:33
